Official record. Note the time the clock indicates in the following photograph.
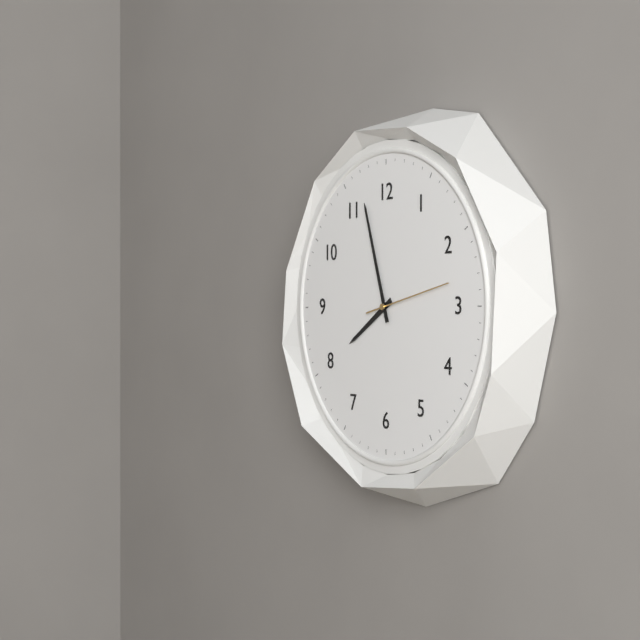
7:57:13
